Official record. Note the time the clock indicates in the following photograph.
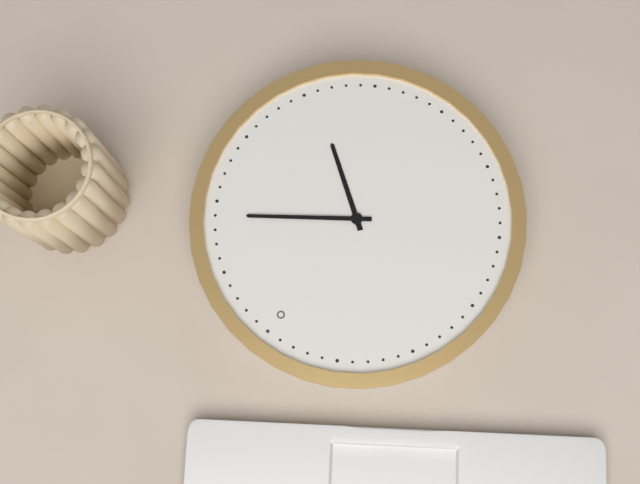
4:09
